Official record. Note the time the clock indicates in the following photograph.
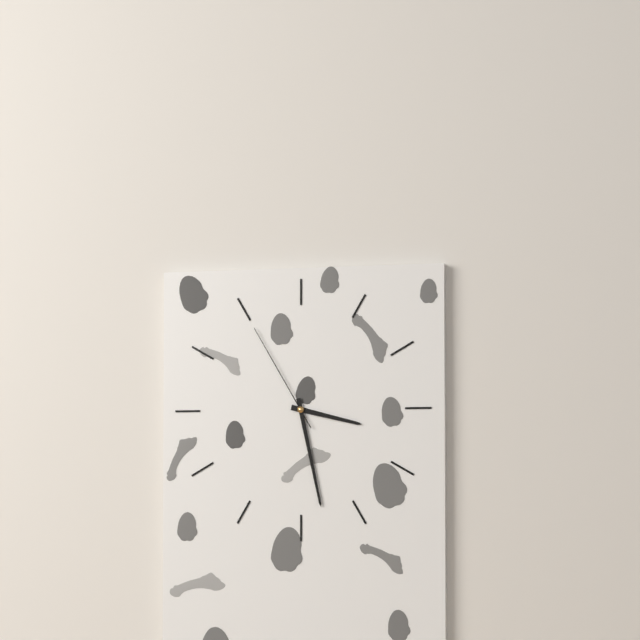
3:28:55
